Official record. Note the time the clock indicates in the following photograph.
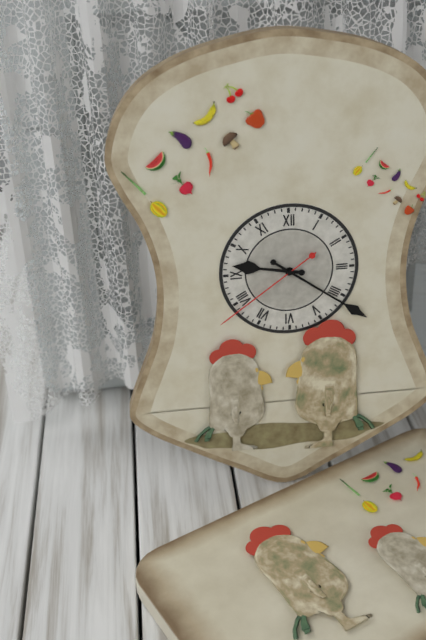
9:21:39
